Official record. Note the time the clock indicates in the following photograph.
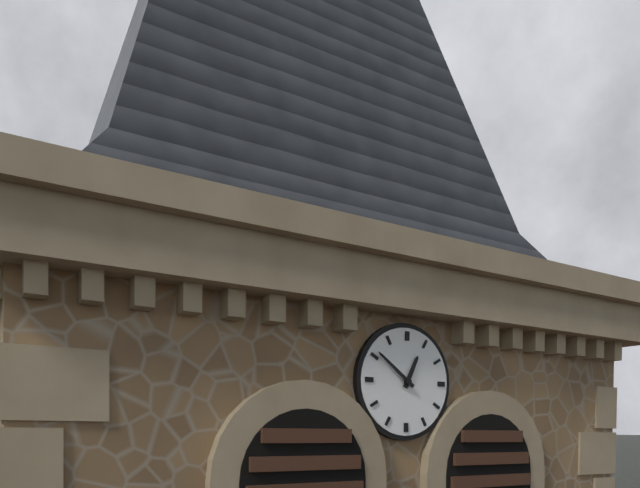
12:51
